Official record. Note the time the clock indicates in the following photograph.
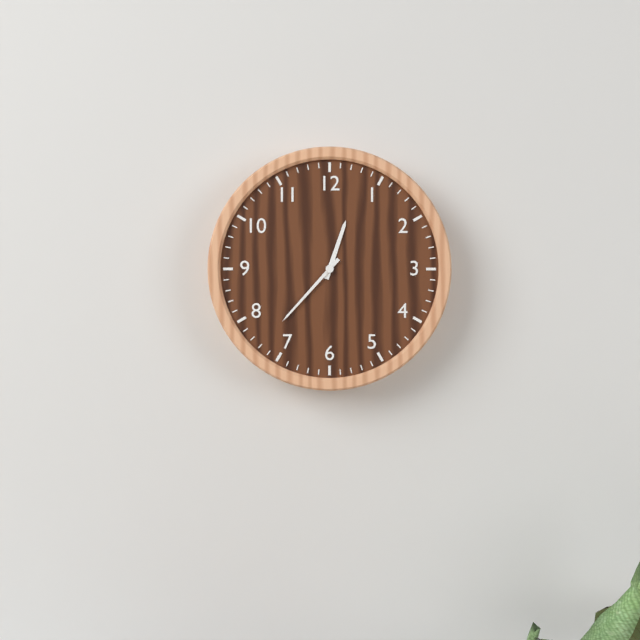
12:37
